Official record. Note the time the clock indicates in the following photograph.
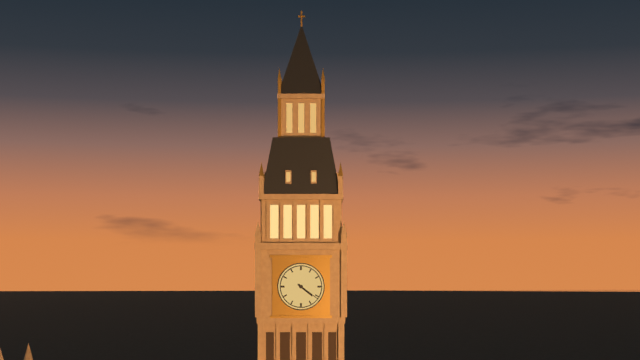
4:21
